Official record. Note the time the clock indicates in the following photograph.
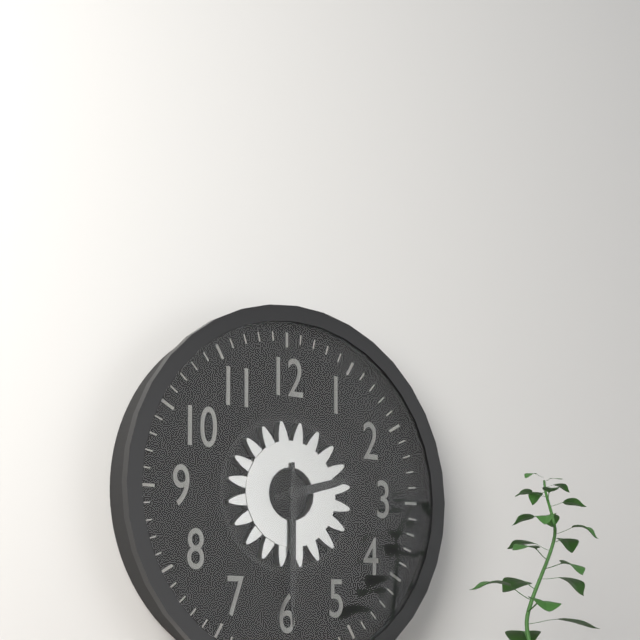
2:30
